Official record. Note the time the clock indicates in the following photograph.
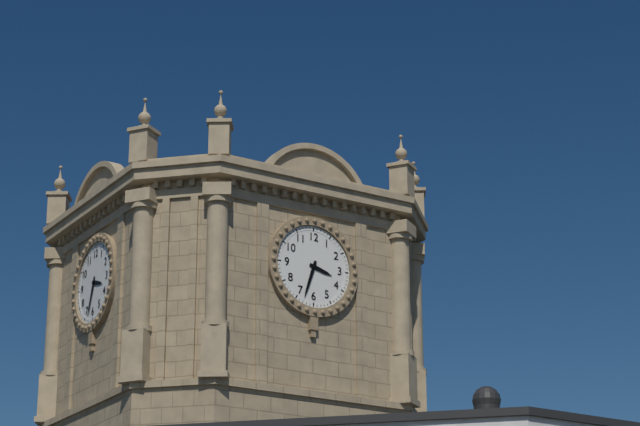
3:33
